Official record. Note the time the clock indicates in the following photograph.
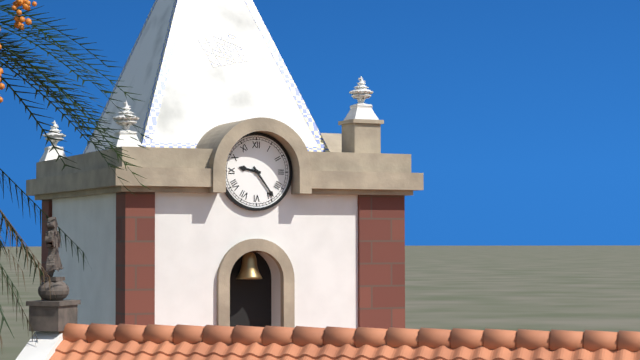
9:24
